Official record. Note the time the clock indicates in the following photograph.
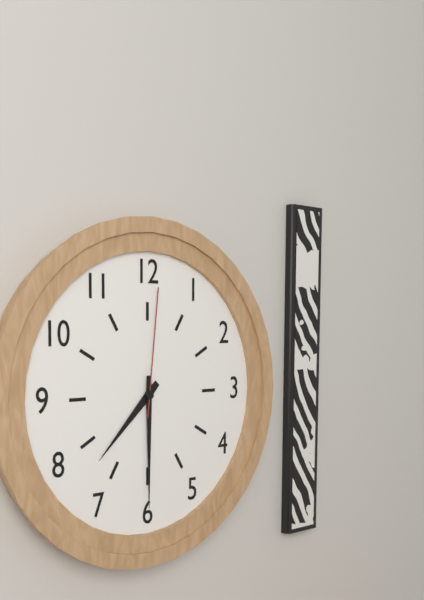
7:30:01
